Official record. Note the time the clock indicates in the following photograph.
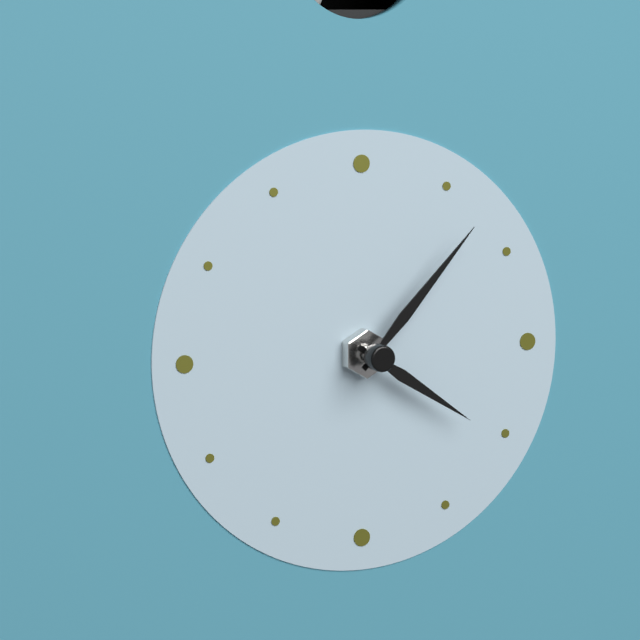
4:07
